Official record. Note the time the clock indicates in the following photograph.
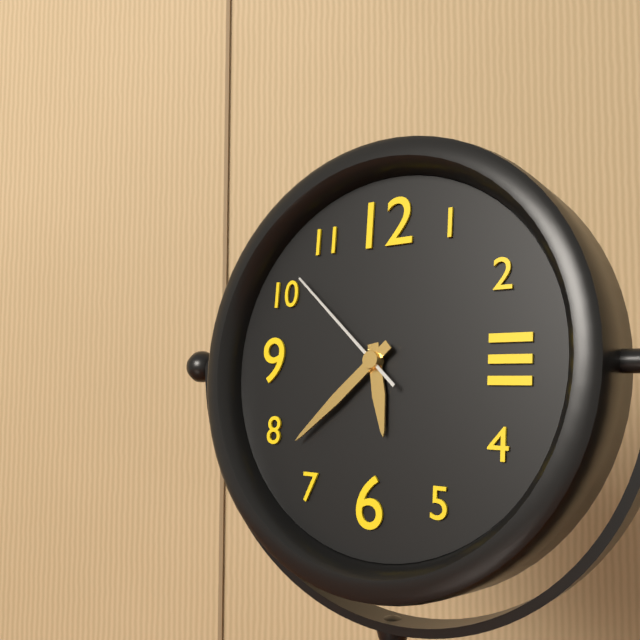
5:38:52
